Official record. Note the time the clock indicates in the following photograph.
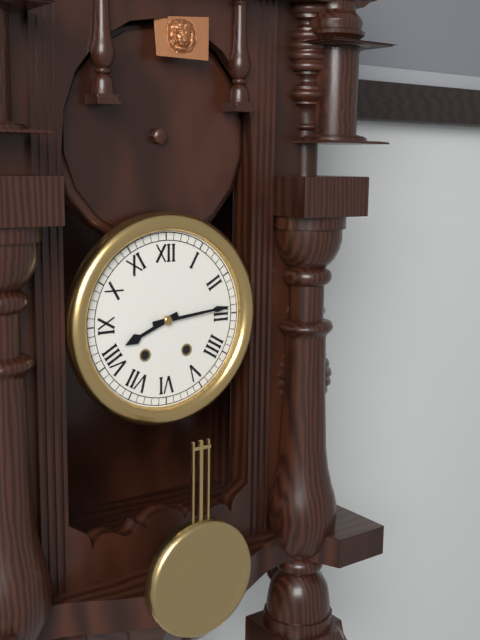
8:14
